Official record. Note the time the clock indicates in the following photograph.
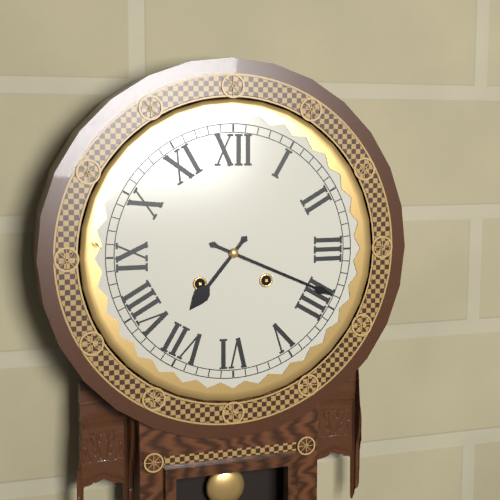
7:19
